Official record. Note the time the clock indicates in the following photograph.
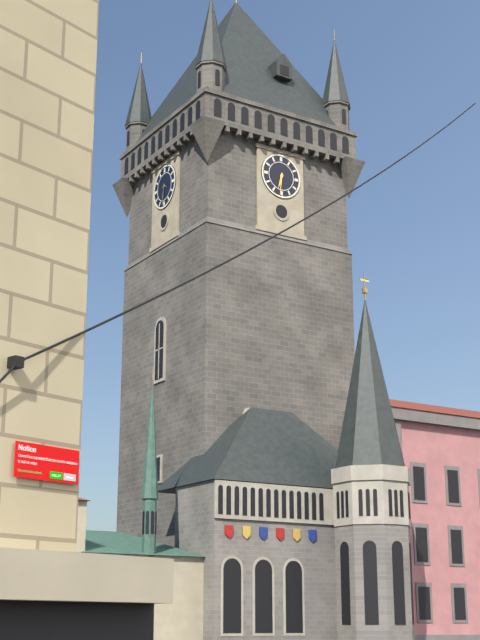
6:31
